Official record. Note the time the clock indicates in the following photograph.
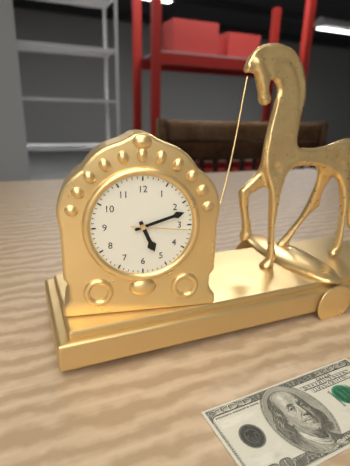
5:12:16
